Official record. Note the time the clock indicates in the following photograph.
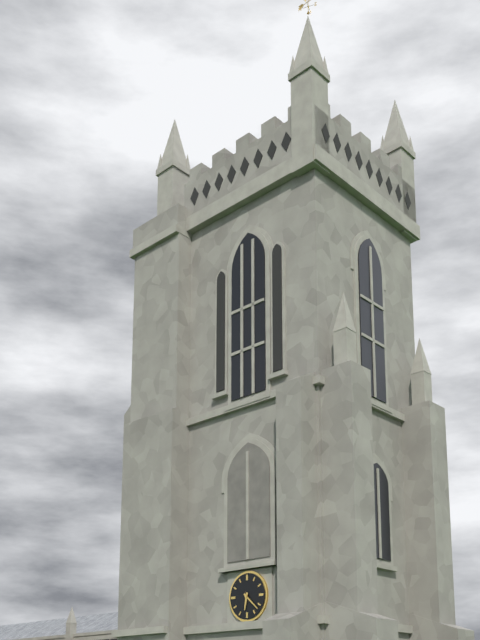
6:22
